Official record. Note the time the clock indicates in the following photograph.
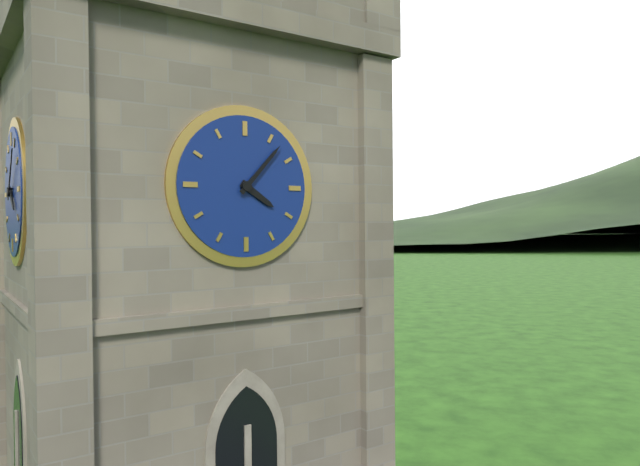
4:07
